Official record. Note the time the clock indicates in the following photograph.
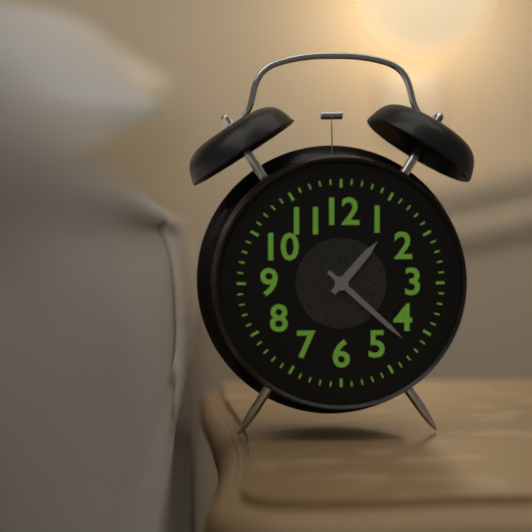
1:22
